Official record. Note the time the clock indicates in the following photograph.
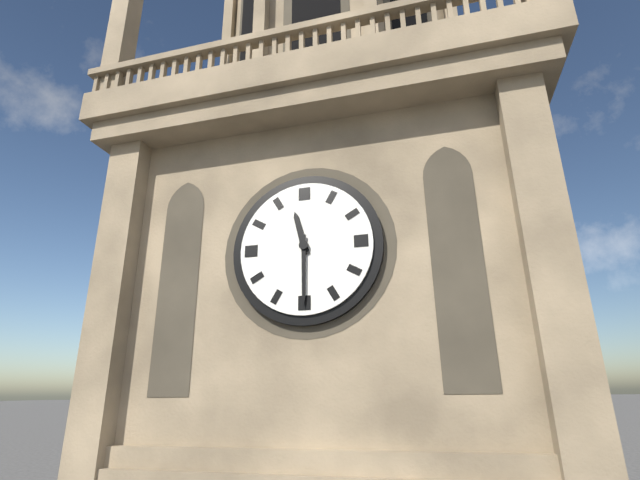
11:30
